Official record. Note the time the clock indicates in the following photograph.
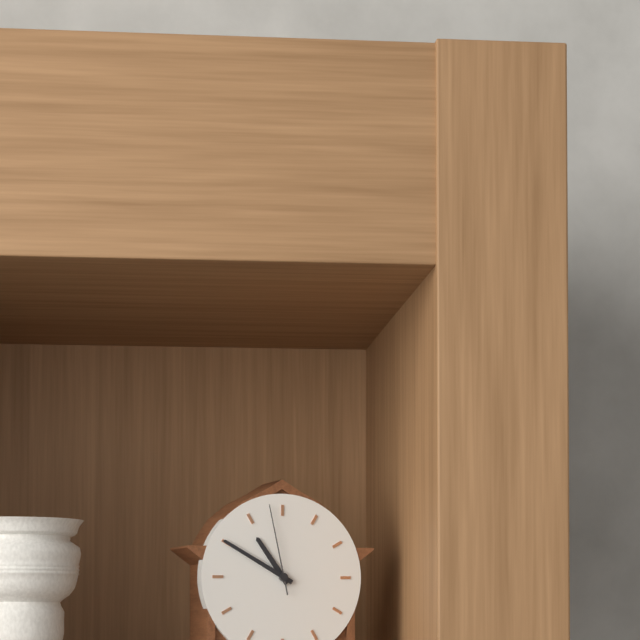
10:50:58
